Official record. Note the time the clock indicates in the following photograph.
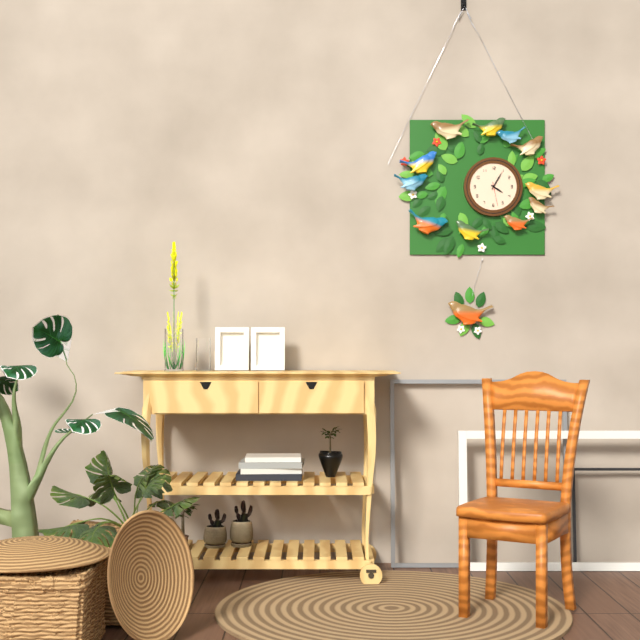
4:05
